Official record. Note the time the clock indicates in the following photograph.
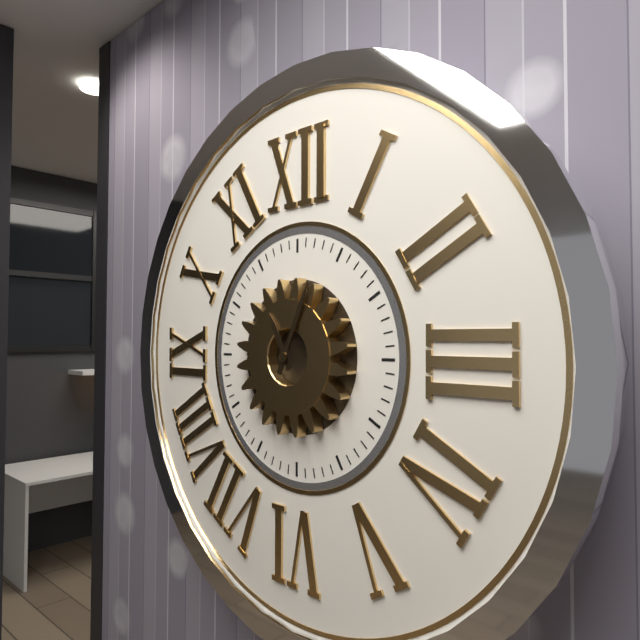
11:04
